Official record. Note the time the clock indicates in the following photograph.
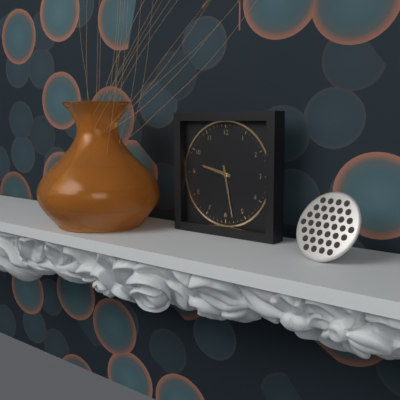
9:28
